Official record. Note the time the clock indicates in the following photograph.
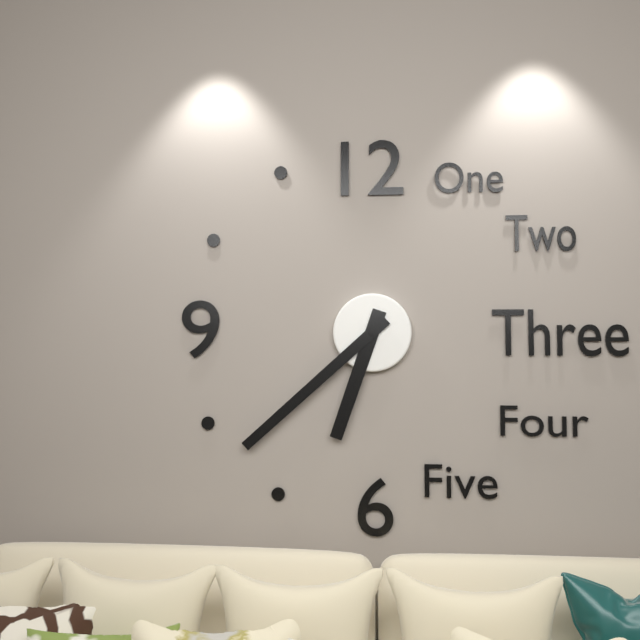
6:38
